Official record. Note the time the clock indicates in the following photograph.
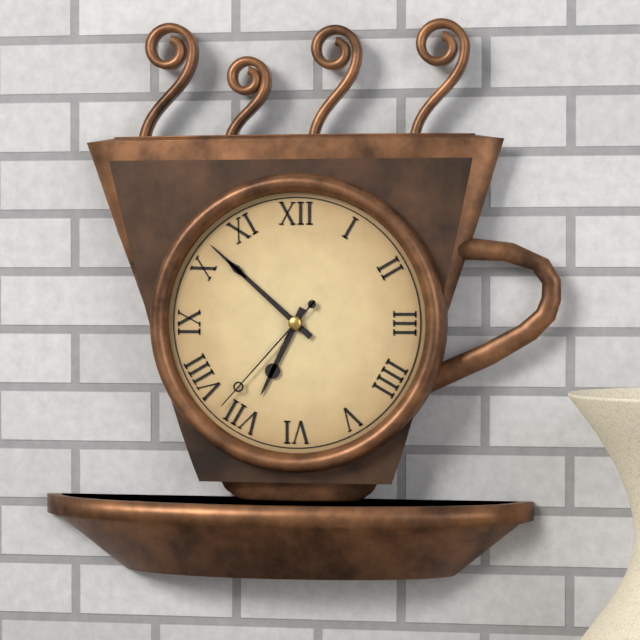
6:52:37
